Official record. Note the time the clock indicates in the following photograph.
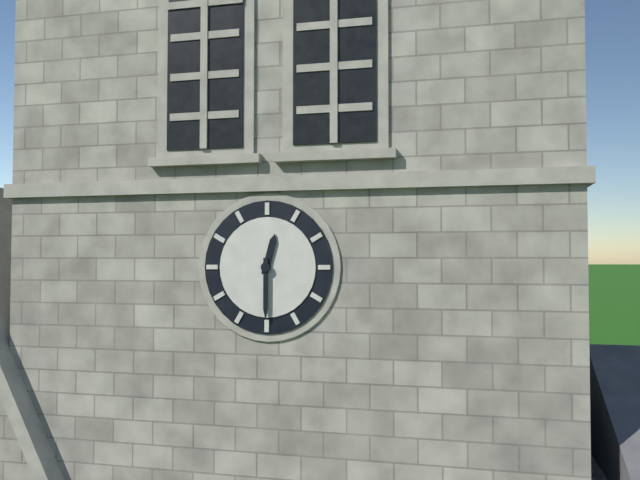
12:30
